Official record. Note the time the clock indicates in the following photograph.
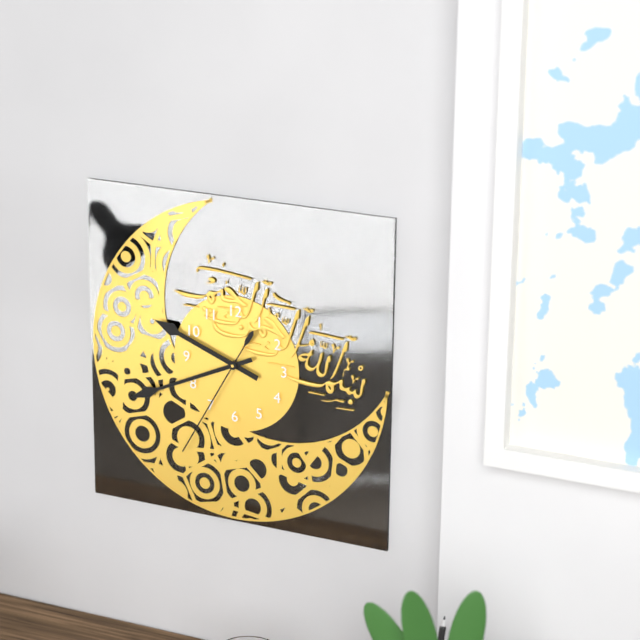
9:41:35
